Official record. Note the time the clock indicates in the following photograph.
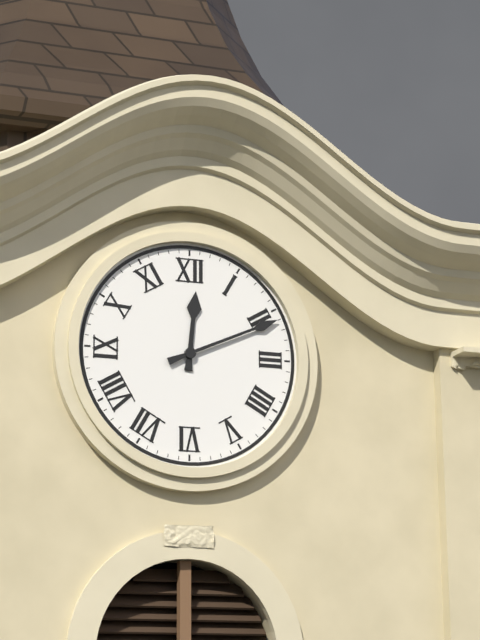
12:11
